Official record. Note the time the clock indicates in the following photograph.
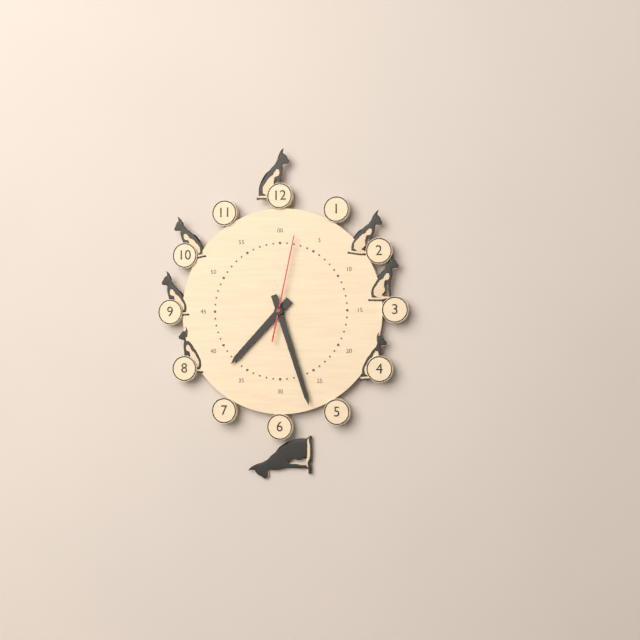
7:27:02
